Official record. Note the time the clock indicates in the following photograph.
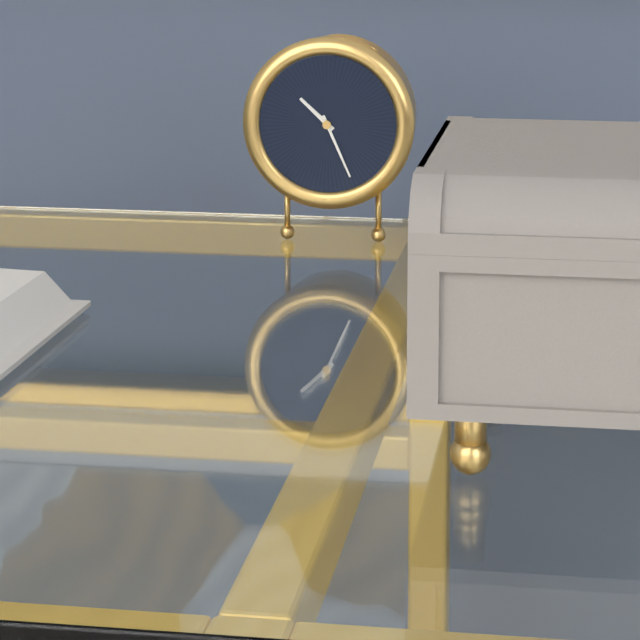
10:26
